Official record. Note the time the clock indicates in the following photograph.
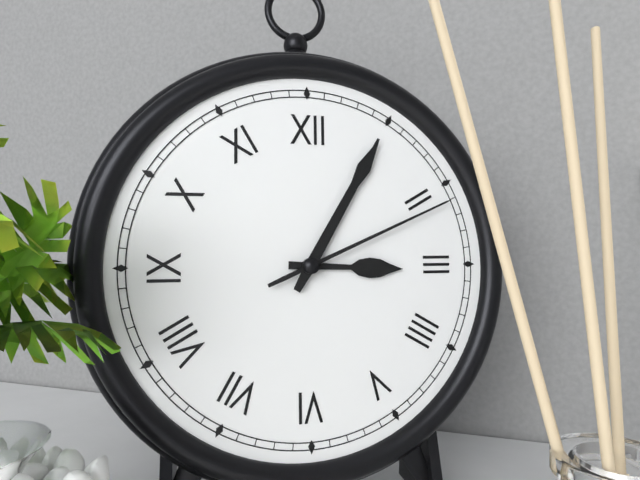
3:05:11
